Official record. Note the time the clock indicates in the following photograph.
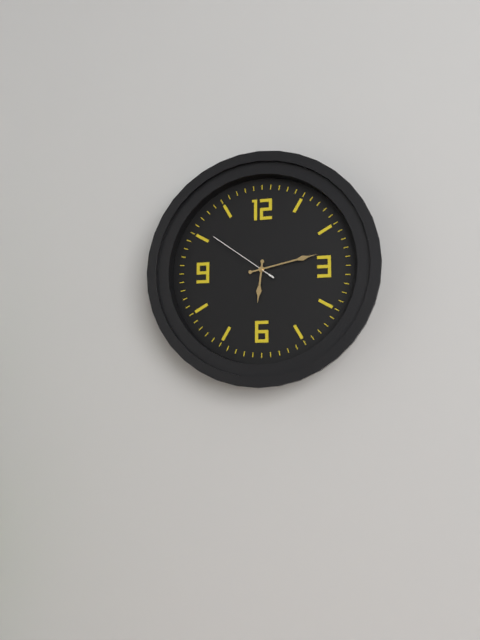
6:13:51
